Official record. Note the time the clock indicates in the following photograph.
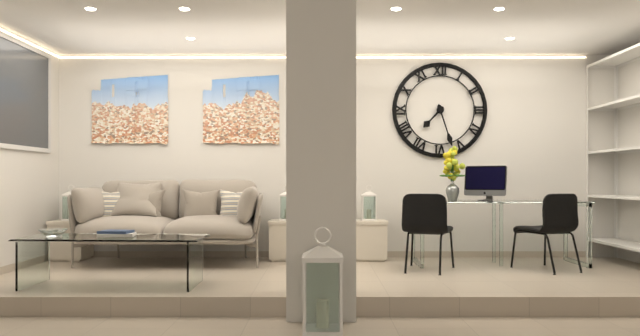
7:27
